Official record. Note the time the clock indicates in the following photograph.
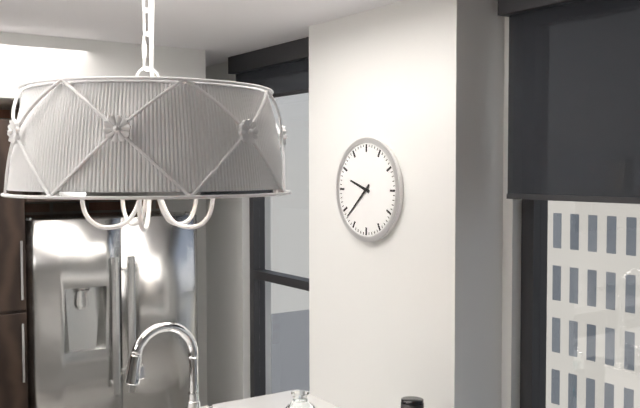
9:38
